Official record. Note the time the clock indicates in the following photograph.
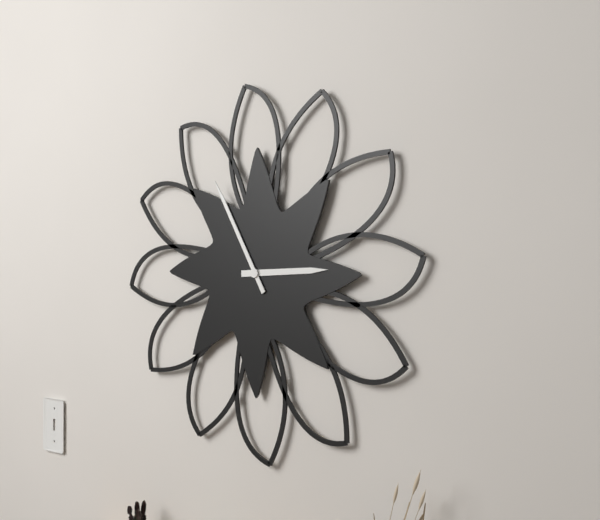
2:55
